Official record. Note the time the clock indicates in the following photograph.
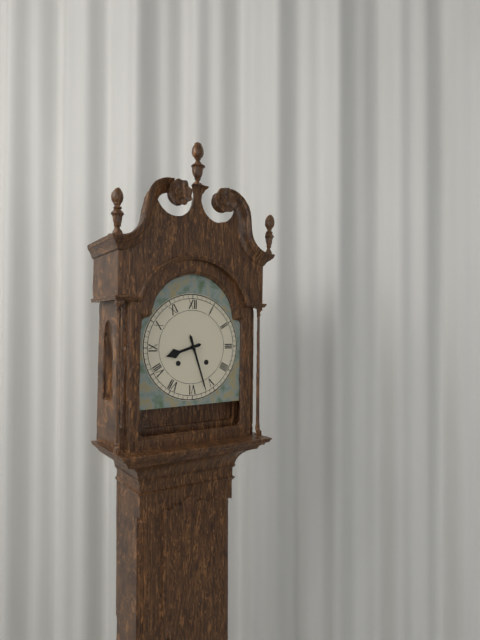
8:27
